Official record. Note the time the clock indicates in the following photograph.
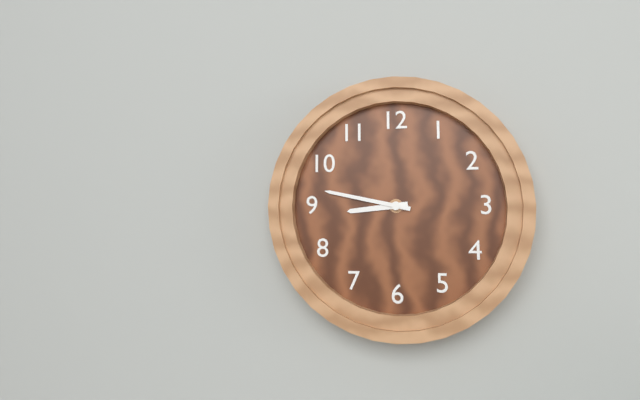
8:47
